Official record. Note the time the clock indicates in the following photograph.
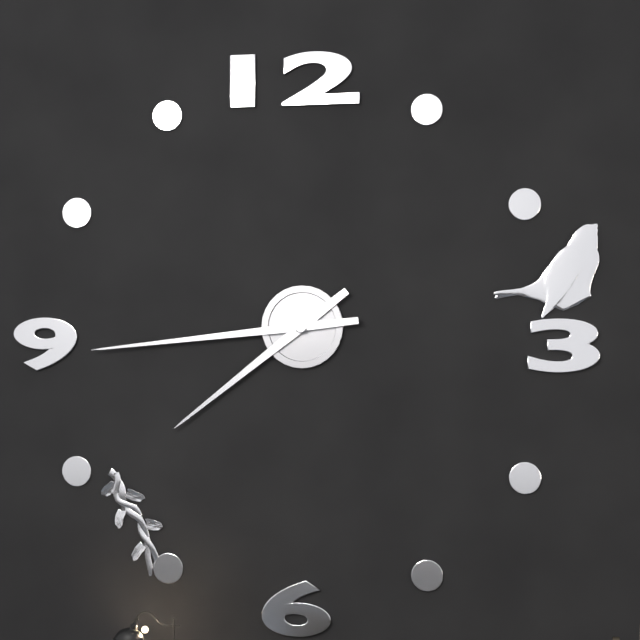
7:44
